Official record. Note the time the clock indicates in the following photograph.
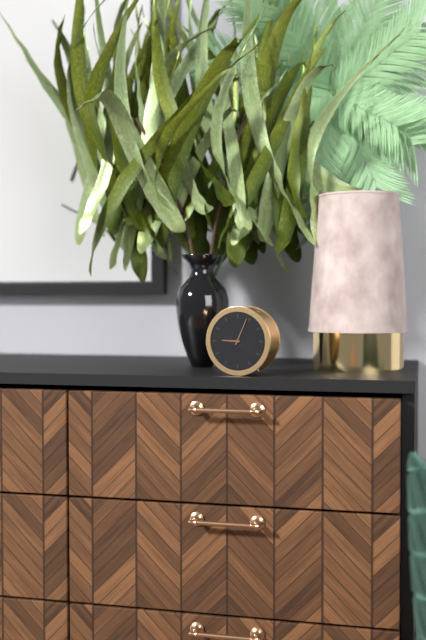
9:04
